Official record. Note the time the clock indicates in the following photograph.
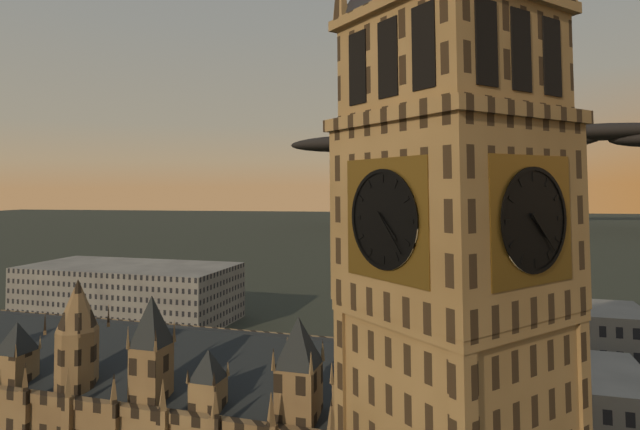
4:23
